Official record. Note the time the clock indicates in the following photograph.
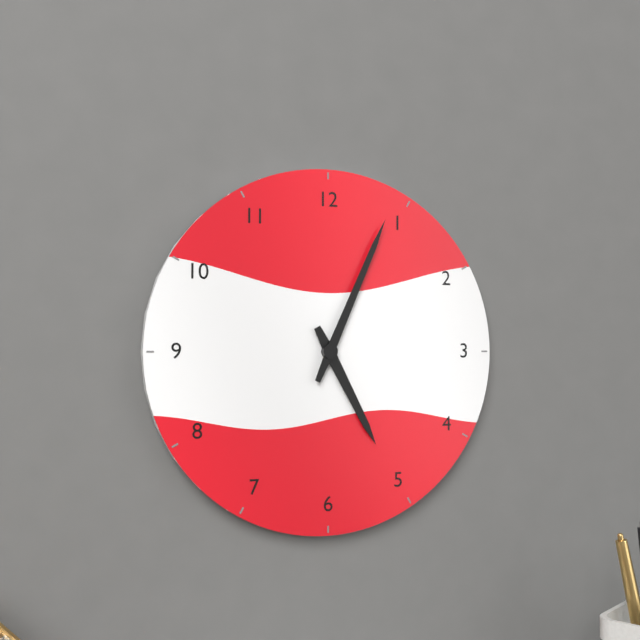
5:04
